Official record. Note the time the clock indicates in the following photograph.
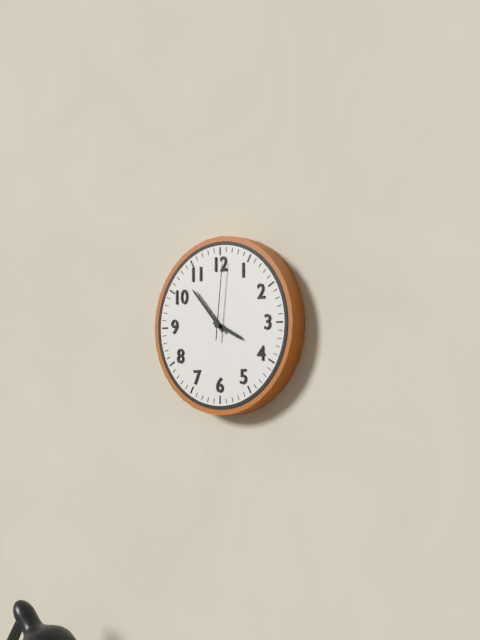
3:53:01
